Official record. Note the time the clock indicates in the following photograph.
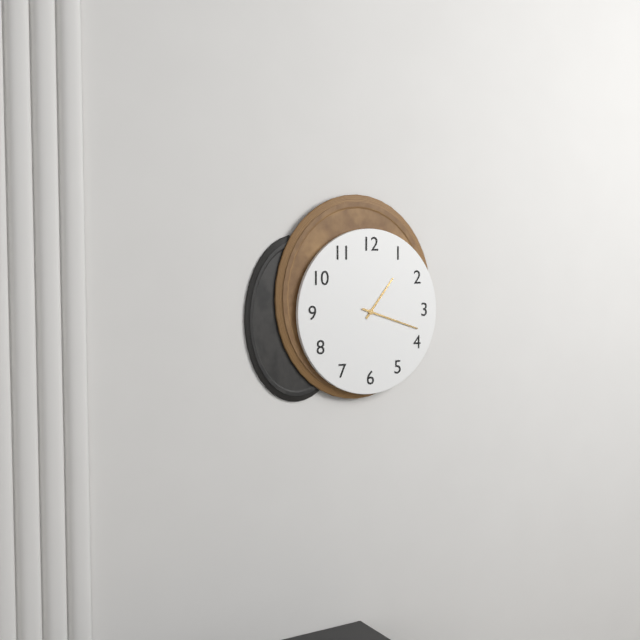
1:18
